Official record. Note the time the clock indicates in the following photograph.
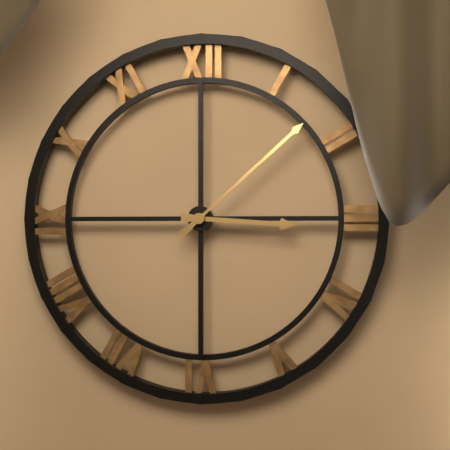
3:08
